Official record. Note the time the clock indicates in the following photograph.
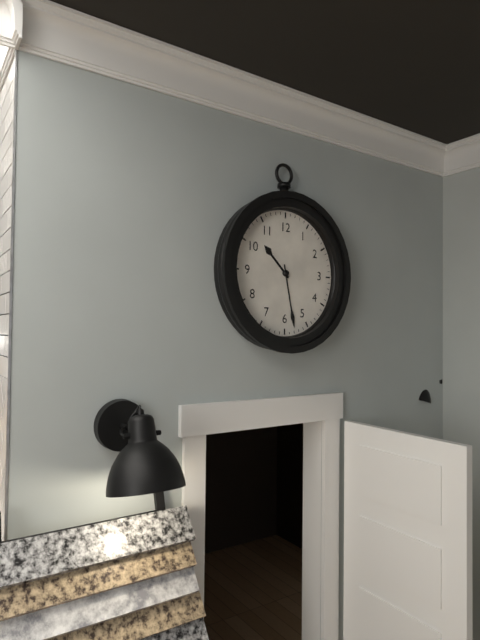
10:28
